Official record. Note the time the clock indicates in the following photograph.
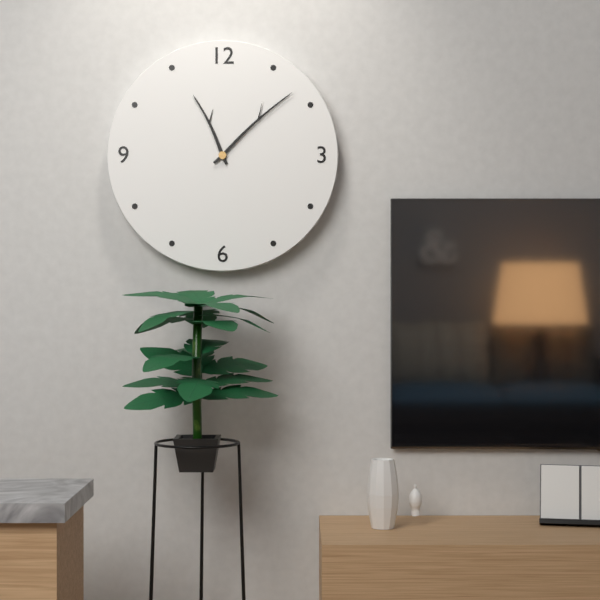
11:08
